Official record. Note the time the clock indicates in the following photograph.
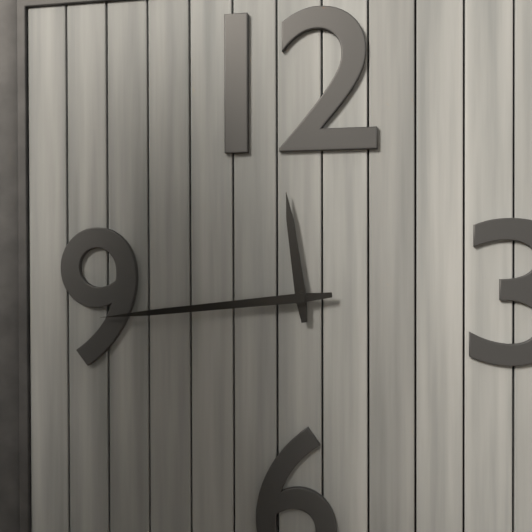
11:44
